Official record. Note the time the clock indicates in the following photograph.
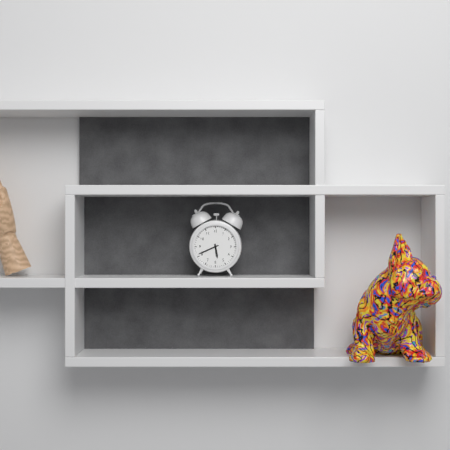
5:41
